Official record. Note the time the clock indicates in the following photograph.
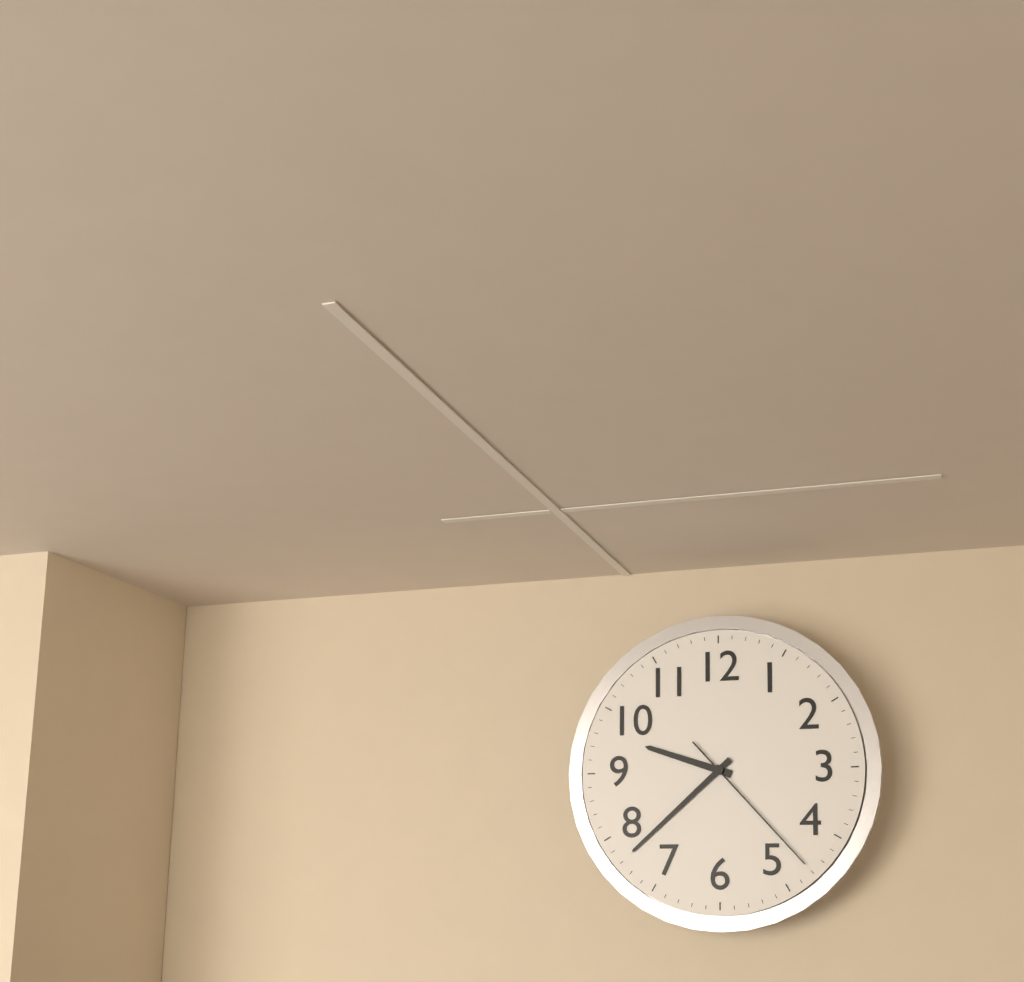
9:38:23
